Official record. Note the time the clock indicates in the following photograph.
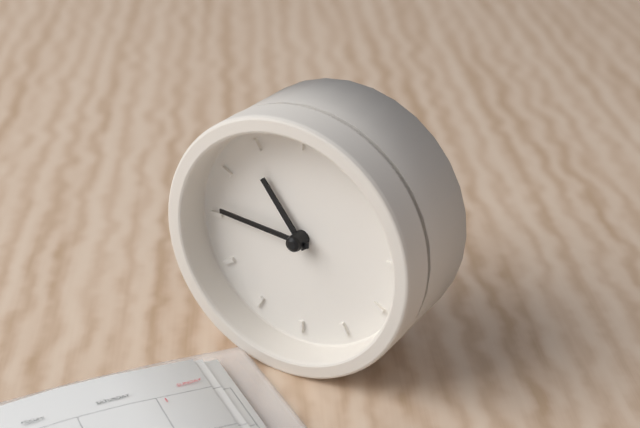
10:46
